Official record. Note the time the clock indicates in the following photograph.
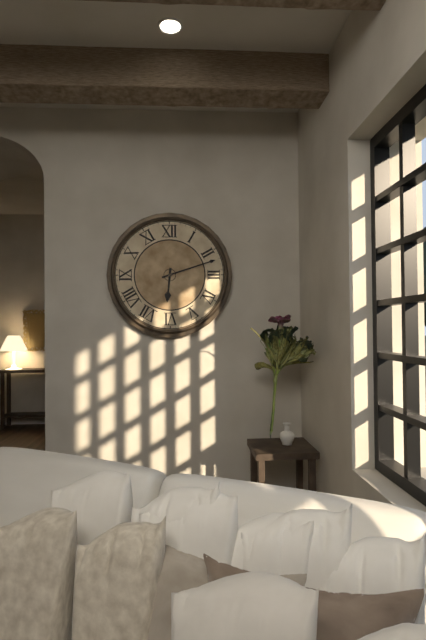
6:12
